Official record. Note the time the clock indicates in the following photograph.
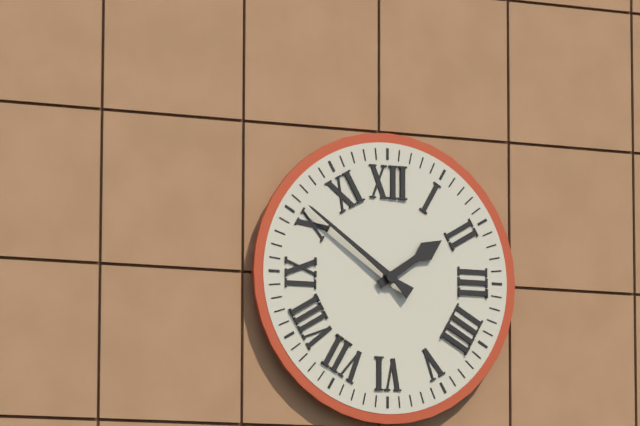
1:51
